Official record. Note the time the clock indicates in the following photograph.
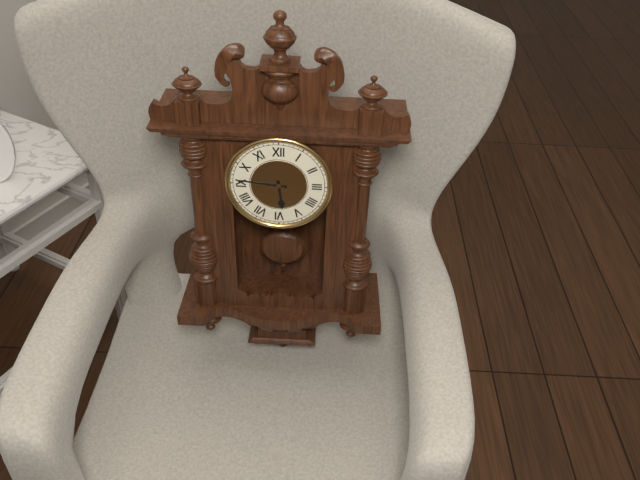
5:46
